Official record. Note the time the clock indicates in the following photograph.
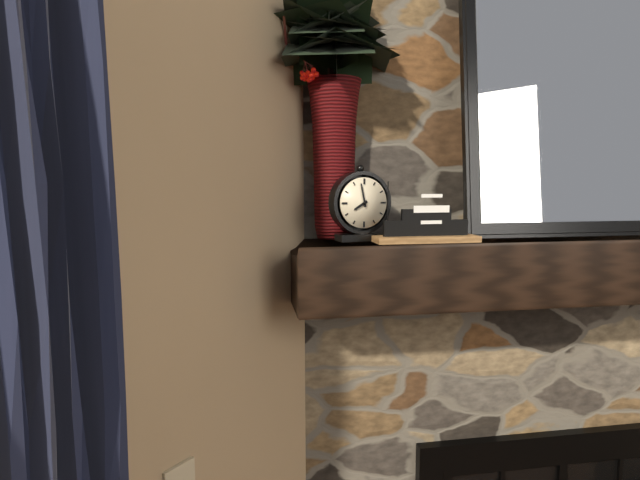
7:58
